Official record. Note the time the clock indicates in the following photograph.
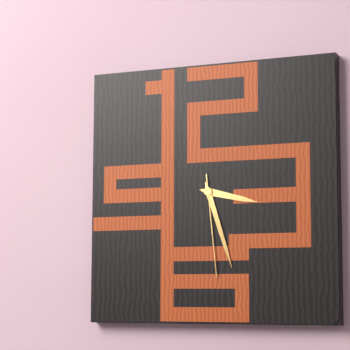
3:27:29
